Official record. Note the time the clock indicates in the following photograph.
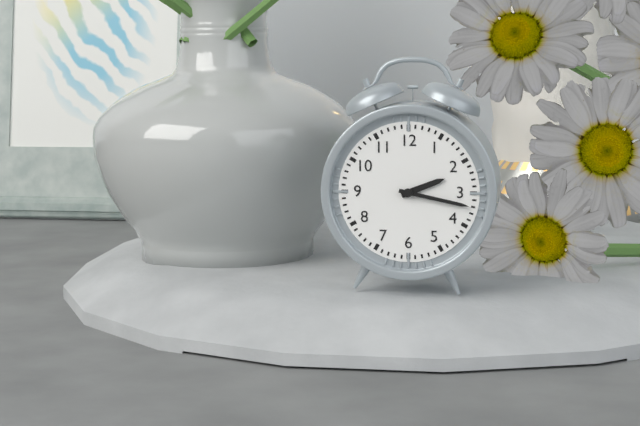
2:17
